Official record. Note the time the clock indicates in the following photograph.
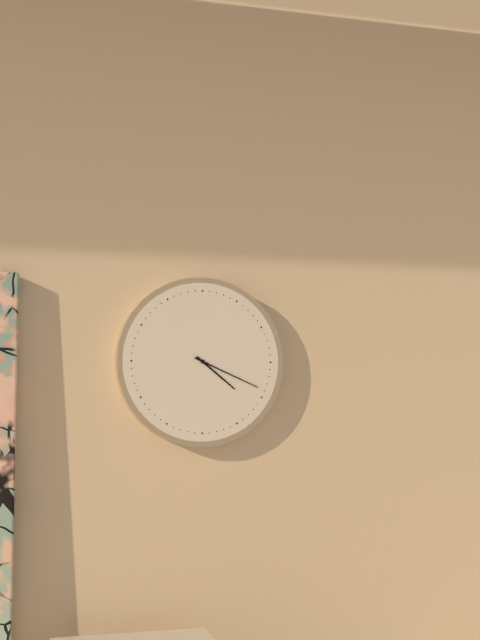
4:19
